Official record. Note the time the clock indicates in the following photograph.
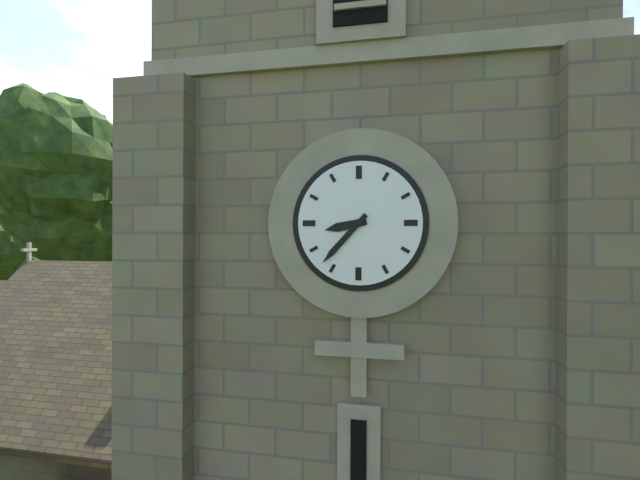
8:37
